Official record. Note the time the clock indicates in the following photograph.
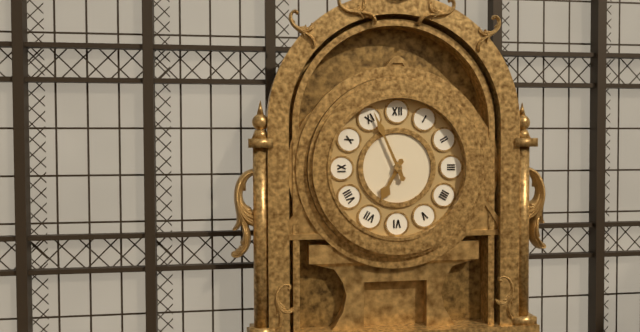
6:56
